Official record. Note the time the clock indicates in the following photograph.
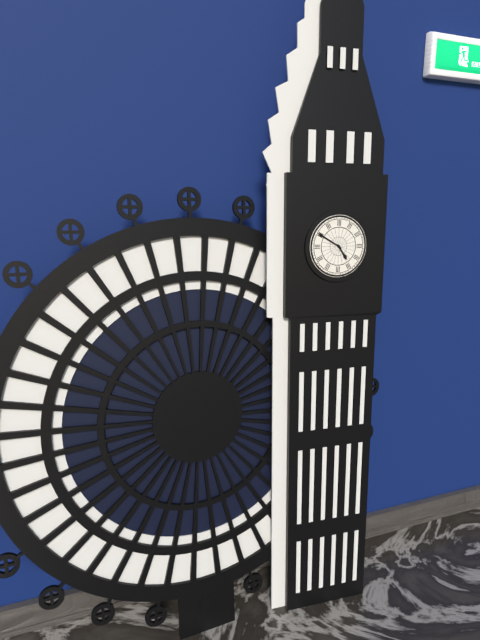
4:50
